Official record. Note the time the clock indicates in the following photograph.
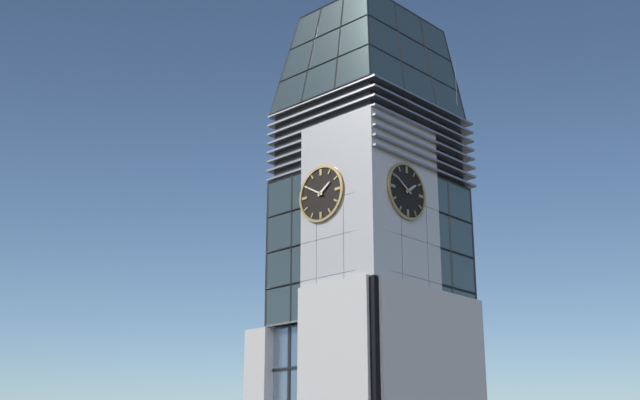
1:50
